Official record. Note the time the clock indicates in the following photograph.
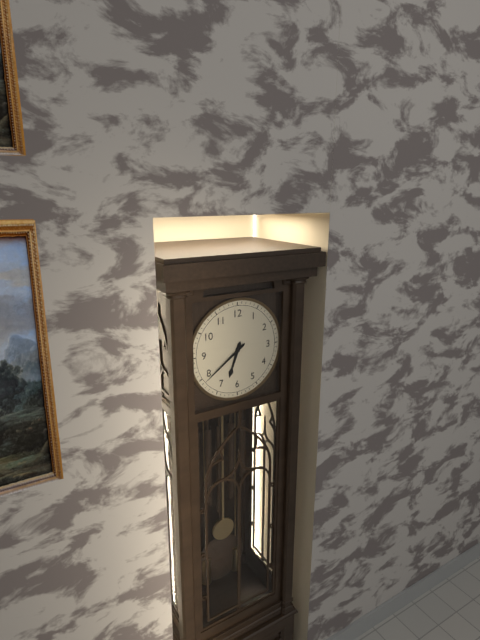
6:39
